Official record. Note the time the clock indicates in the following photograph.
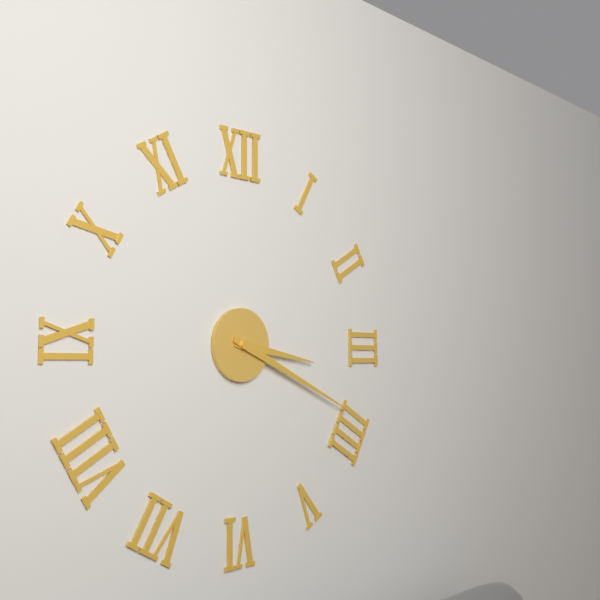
3:19
